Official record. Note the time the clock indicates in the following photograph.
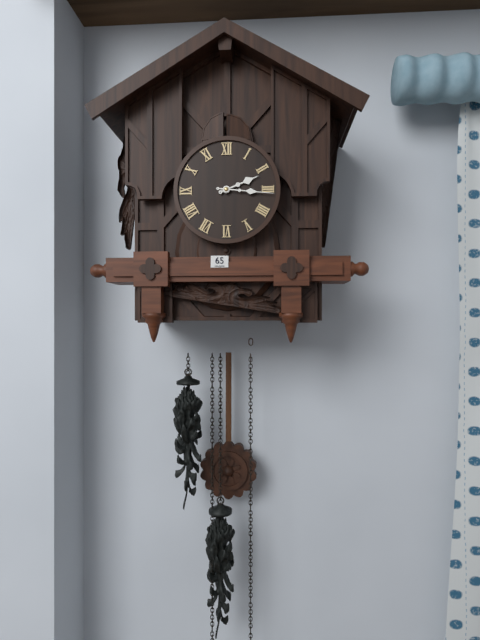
2:16
